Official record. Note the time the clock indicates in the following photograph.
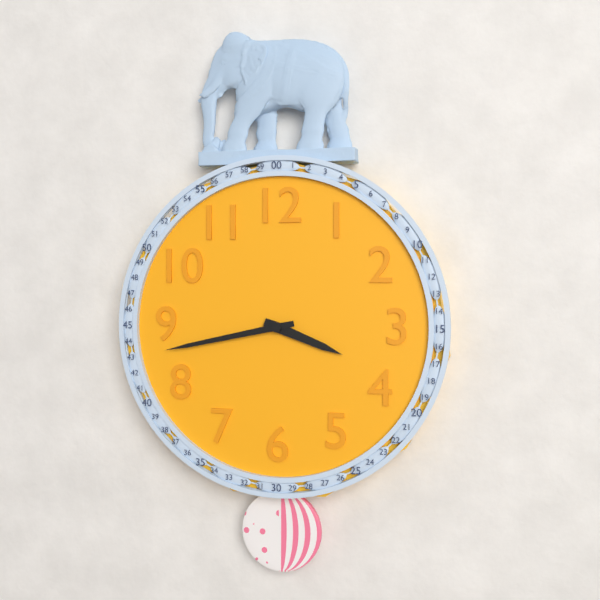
3:43
